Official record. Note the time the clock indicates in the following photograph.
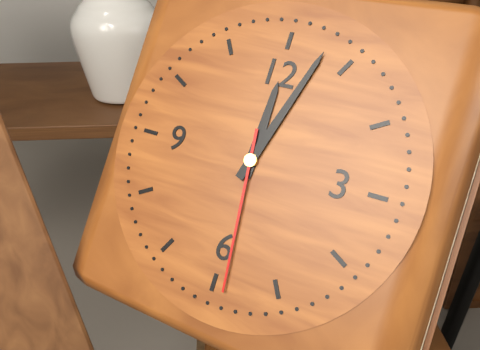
12:03:29
